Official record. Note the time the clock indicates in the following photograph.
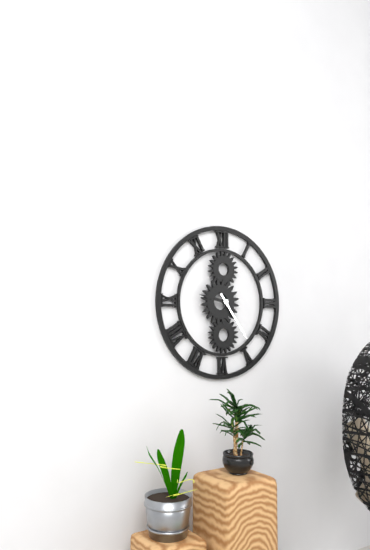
9:24
